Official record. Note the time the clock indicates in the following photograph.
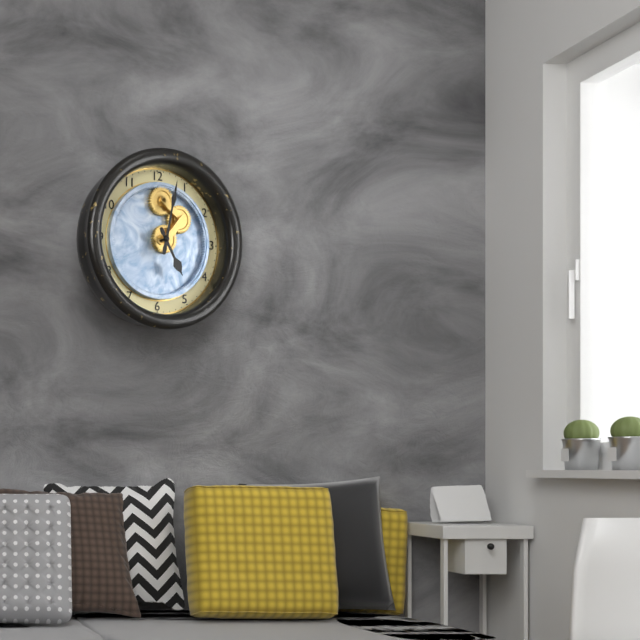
5:02
